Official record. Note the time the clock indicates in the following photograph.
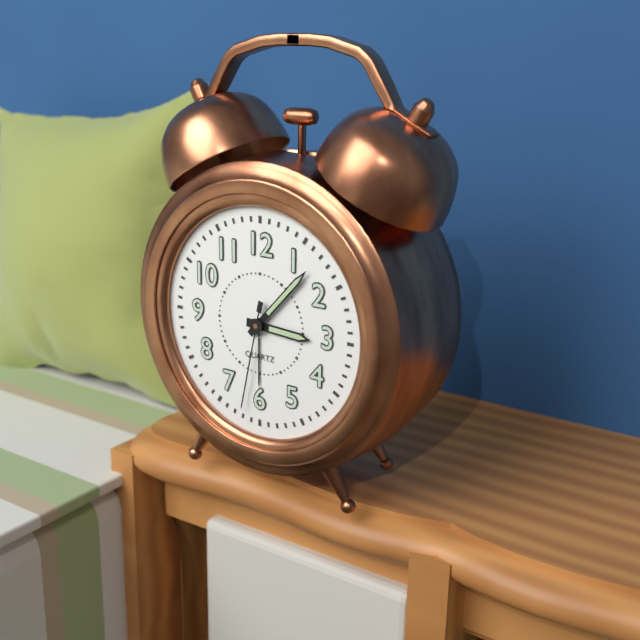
3:07:32
